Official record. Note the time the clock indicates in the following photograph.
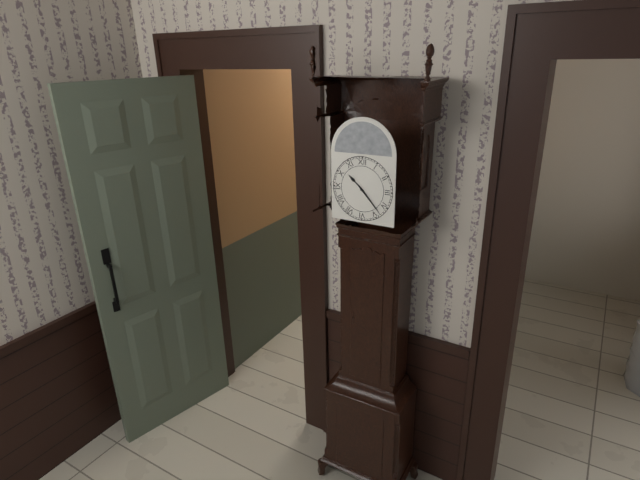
10:23
